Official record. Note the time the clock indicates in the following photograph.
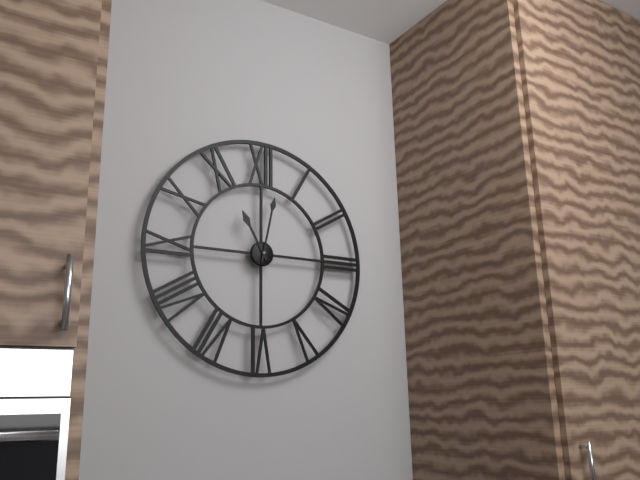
11:02
